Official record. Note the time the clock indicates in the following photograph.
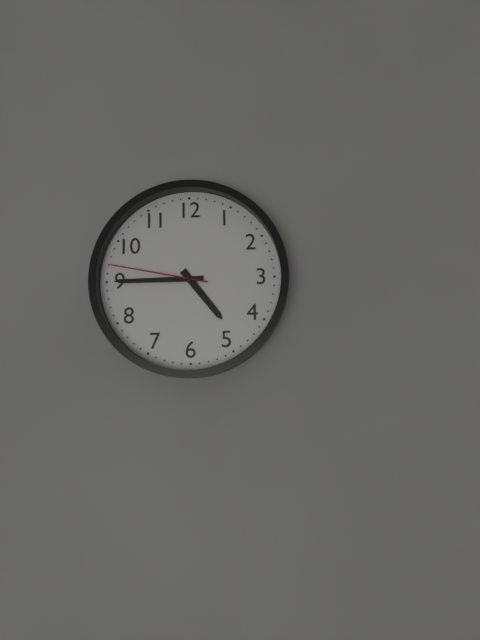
4:45:47
